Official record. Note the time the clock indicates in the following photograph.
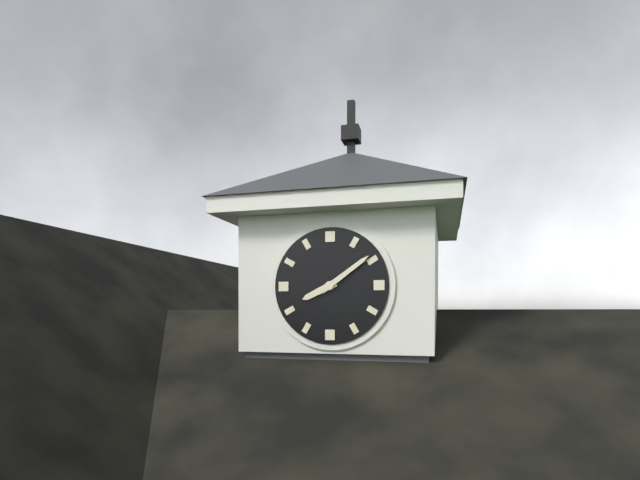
8:09
